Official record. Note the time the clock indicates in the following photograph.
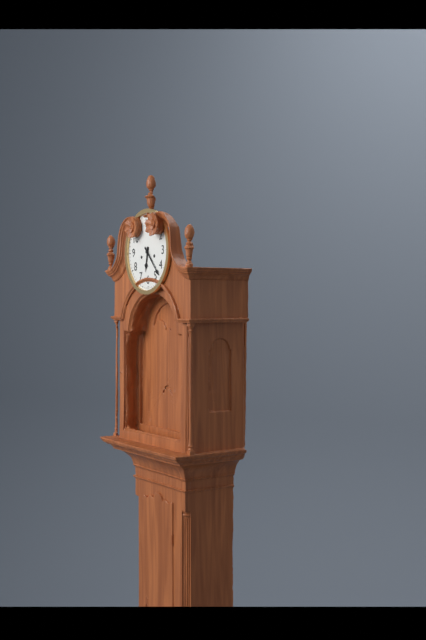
6:23
